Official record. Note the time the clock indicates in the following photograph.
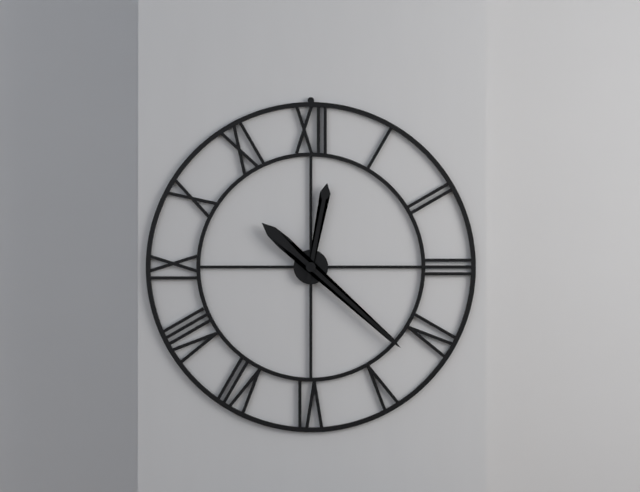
12:22
